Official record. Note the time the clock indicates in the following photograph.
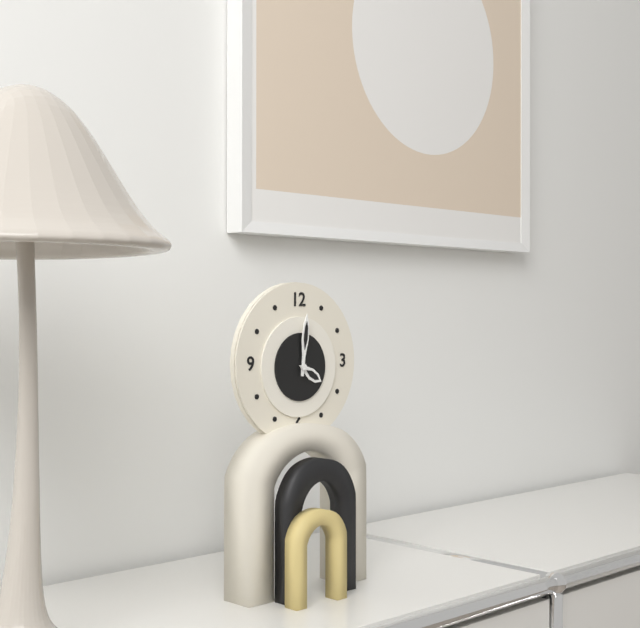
4:01
